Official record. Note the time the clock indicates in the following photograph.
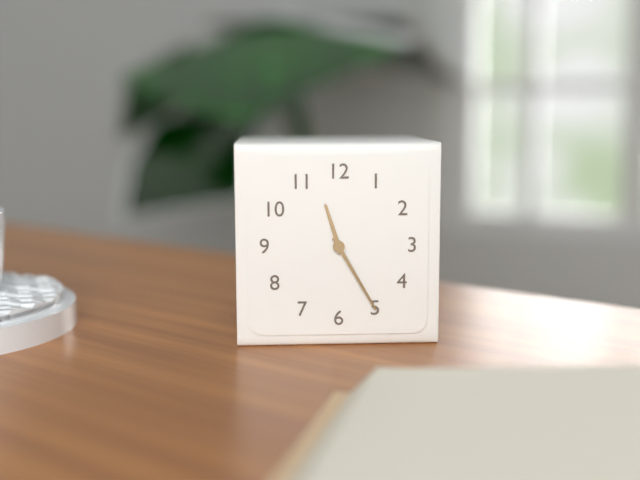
11:25
